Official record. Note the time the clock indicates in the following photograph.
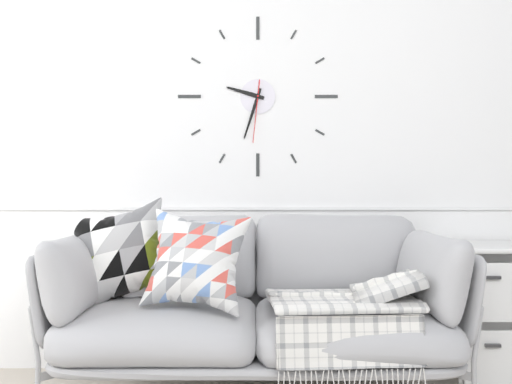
9:33:31
